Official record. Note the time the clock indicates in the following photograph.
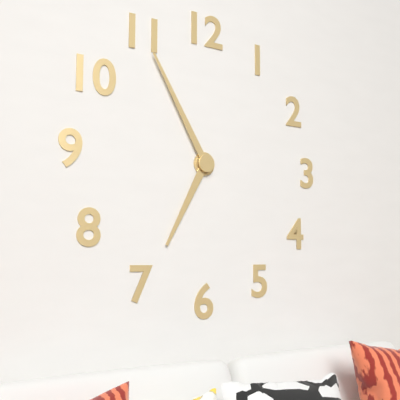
6:55
